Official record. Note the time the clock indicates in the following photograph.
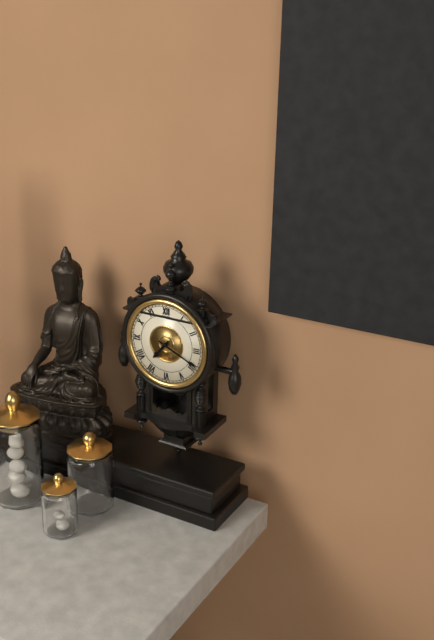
7:19
